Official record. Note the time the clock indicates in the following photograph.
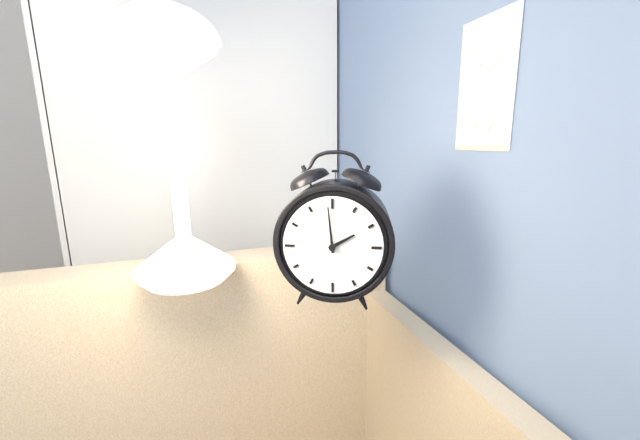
1:59
